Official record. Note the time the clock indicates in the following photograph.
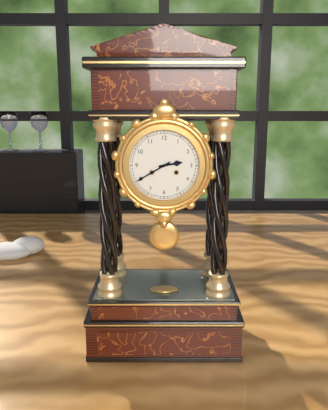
2:40
